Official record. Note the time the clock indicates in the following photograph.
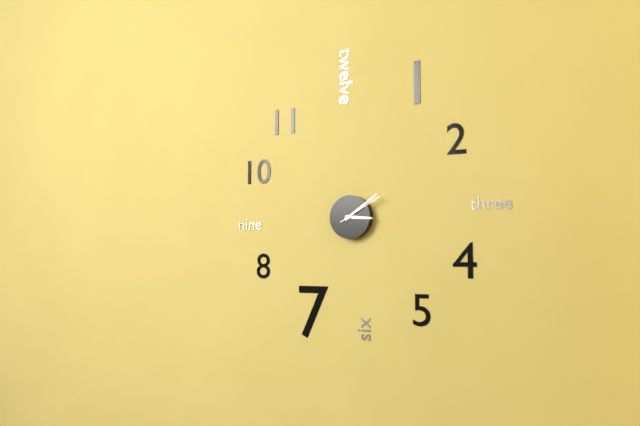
3:09
